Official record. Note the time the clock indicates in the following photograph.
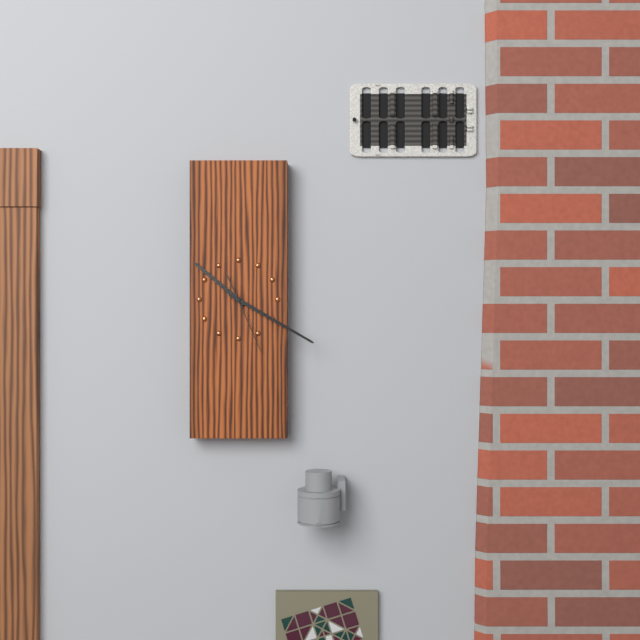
10:20:26
